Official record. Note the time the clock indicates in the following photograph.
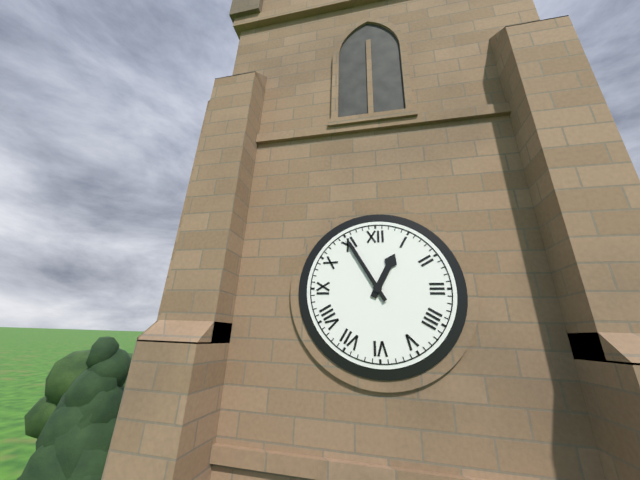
12:55
